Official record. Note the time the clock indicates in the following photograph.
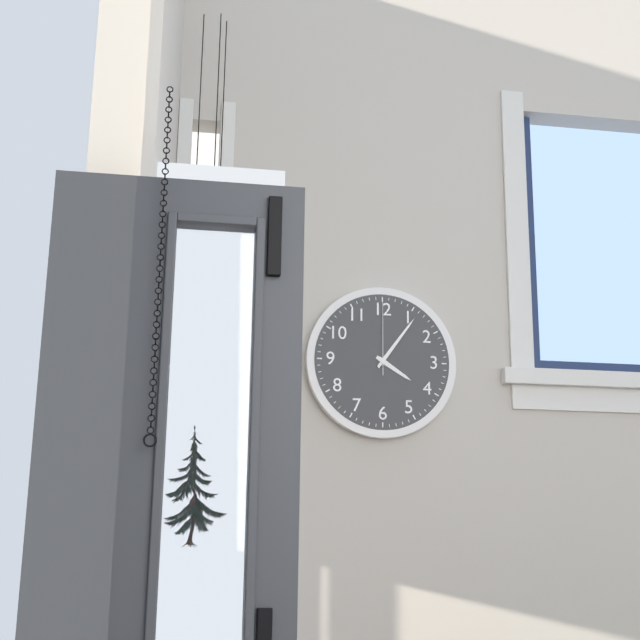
4:06:00
